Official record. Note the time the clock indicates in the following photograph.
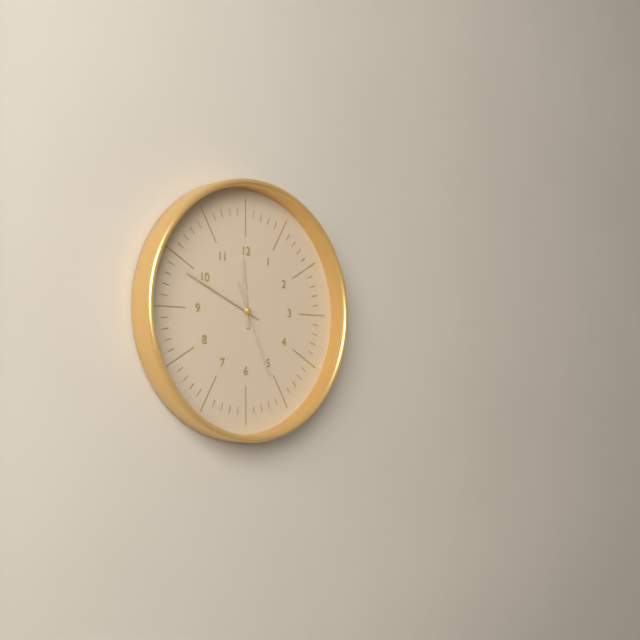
11:49:26
